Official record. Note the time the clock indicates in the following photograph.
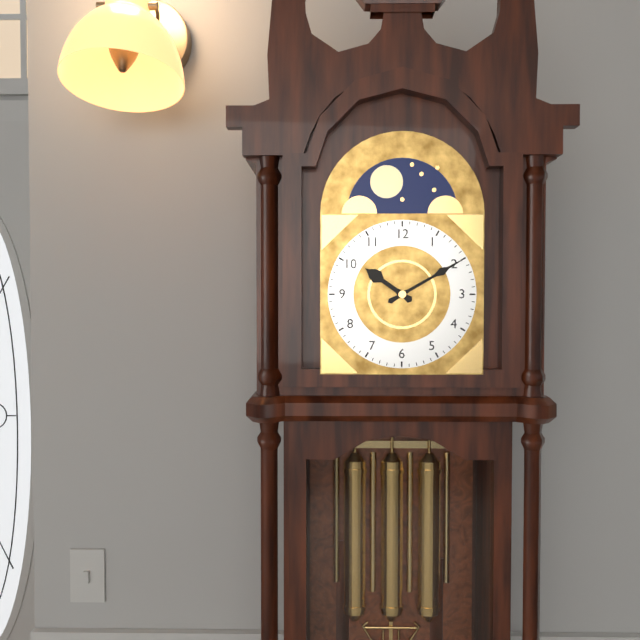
10:10
